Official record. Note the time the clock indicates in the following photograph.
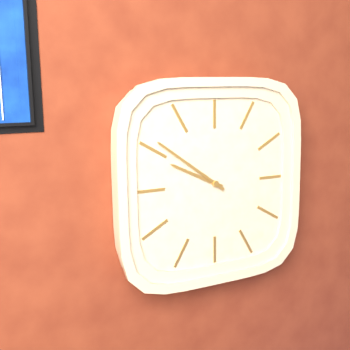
9:51
